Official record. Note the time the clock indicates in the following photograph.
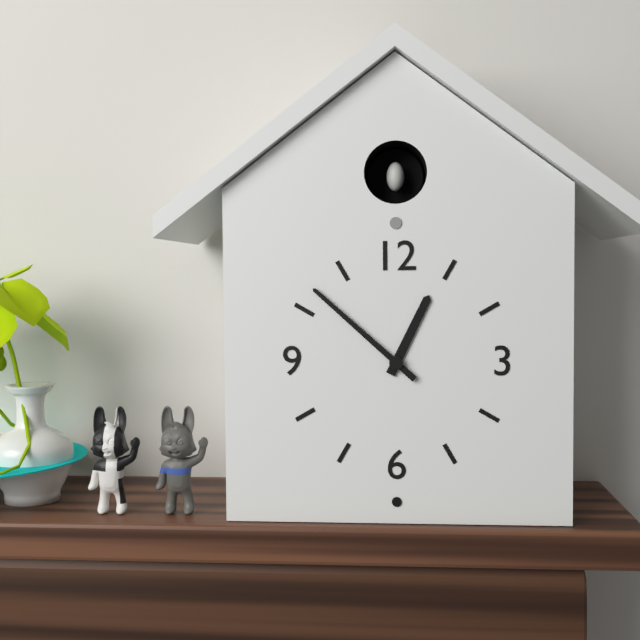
12:52
